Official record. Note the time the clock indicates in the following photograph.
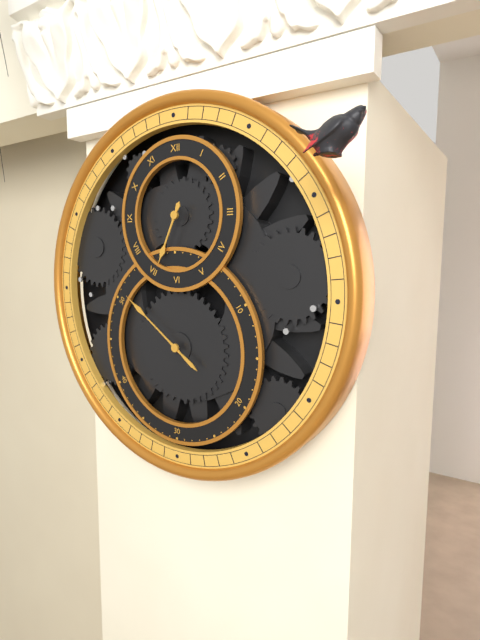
6:51
